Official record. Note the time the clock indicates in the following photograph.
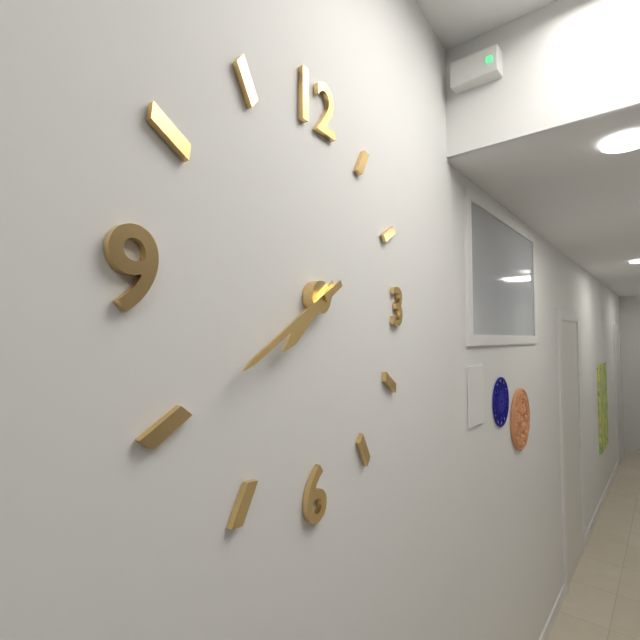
7:40
